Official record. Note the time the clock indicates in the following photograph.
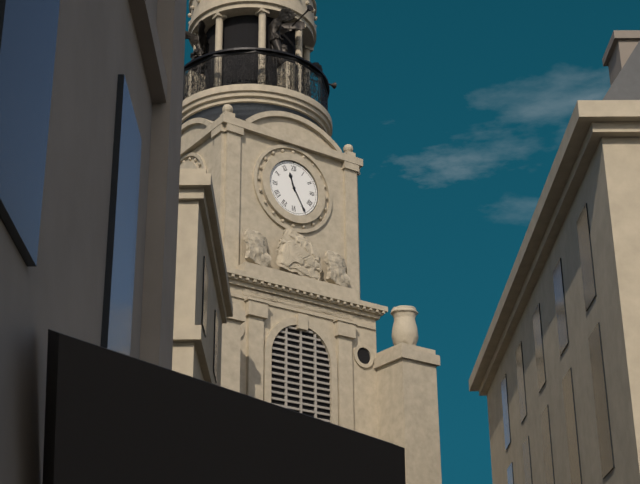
11:25
